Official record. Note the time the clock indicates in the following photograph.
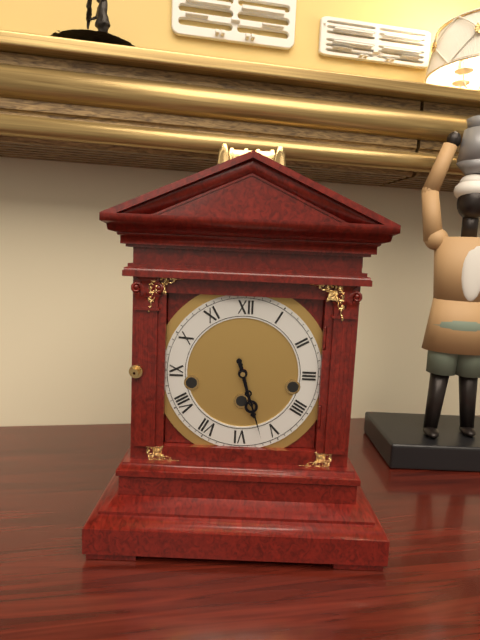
5:27
